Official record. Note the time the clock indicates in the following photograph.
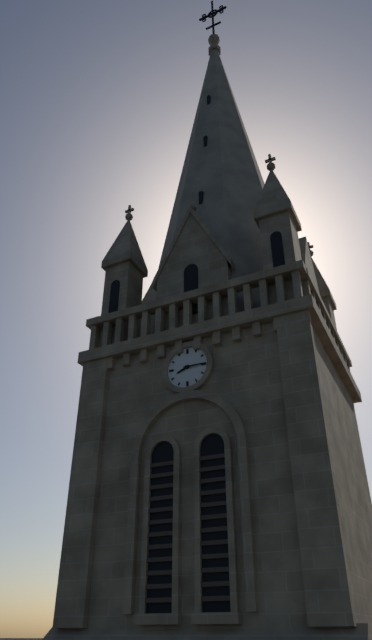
8:15
